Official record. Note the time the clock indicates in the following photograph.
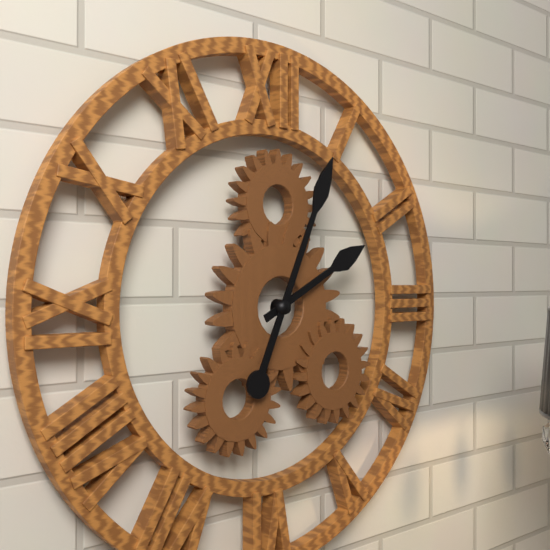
2:04
